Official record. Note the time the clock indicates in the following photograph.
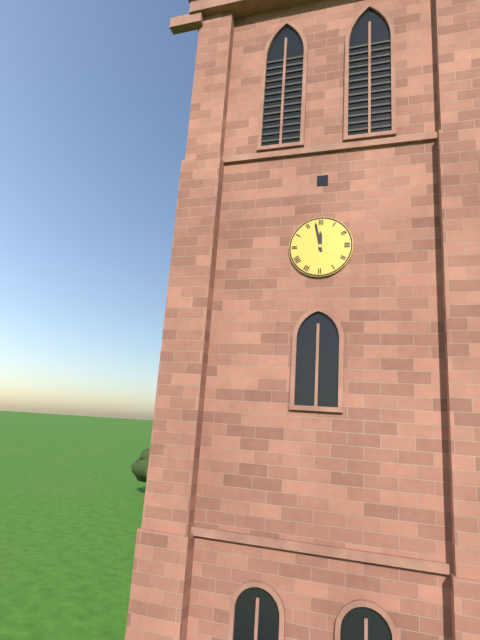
11:58
